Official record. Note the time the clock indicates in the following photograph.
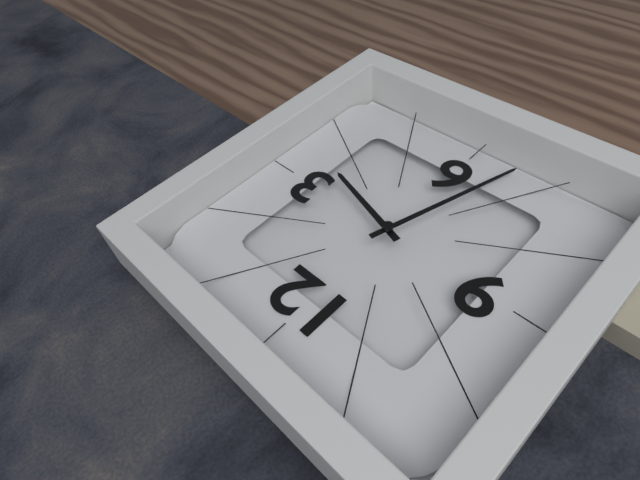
3:33
